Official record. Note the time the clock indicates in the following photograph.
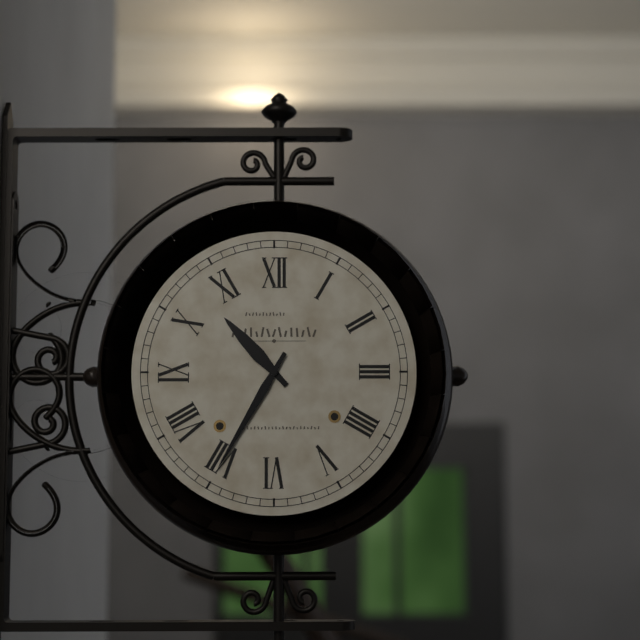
10:35
